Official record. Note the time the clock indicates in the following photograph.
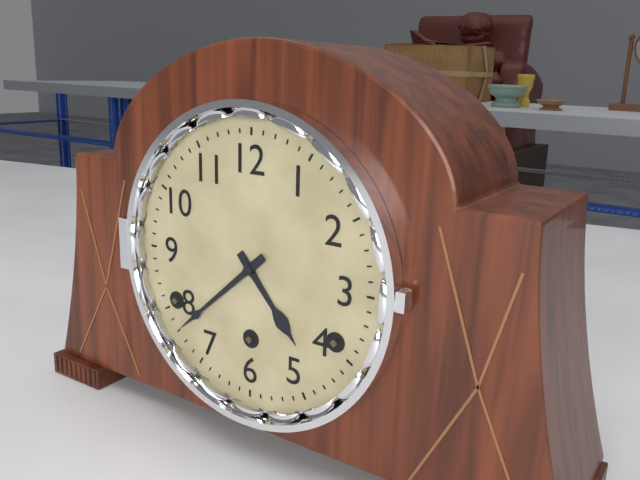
4:38
